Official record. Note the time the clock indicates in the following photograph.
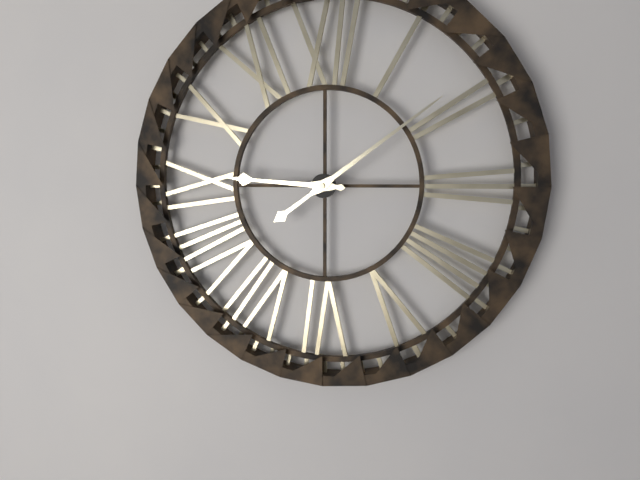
9:09
